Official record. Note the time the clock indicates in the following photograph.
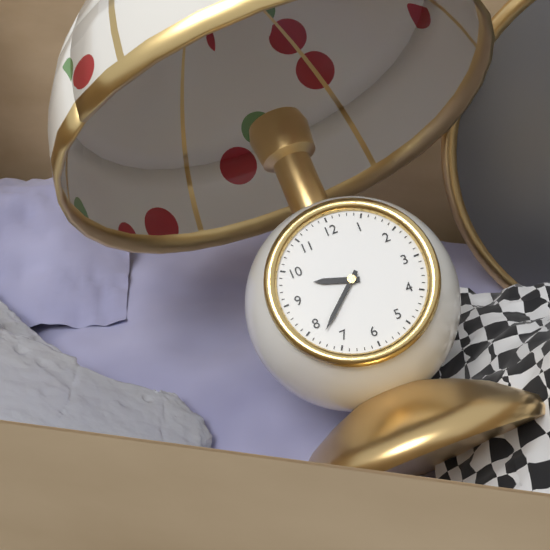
9:38
